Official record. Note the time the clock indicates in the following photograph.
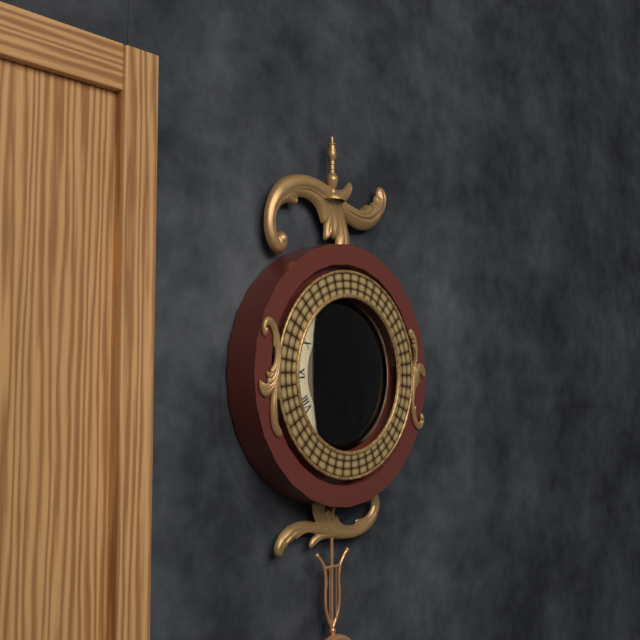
8:02:57
